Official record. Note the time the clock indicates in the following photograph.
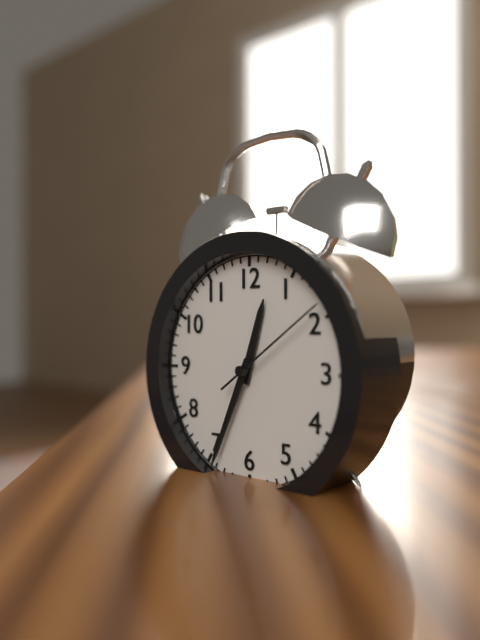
12:34:09
